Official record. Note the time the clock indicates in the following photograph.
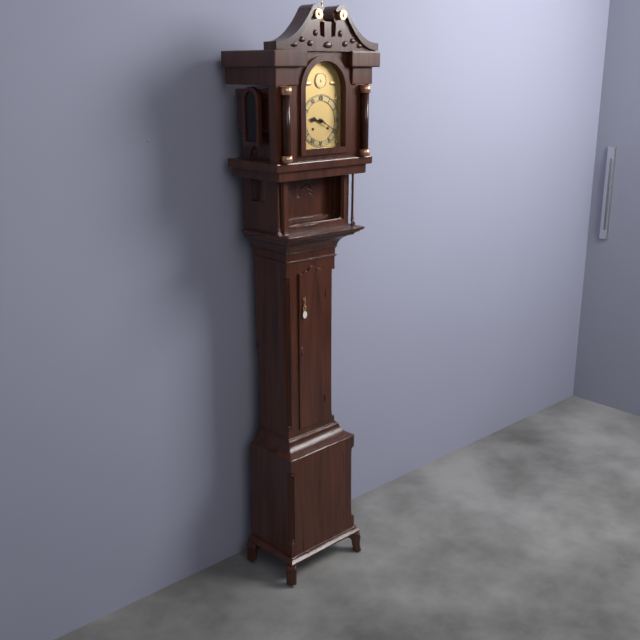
9:20
